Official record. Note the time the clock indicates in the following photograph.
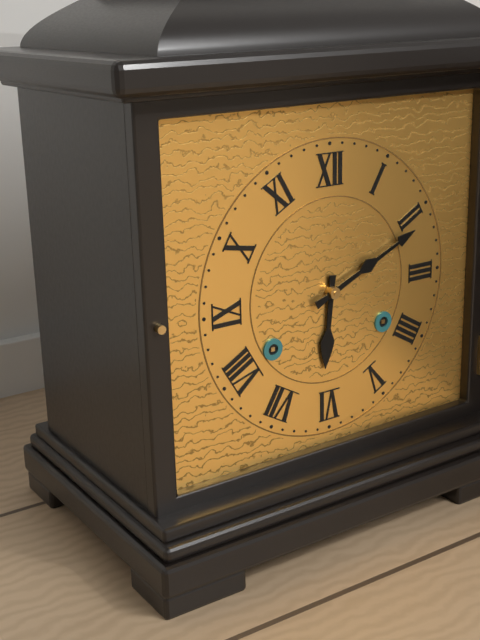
6:11
